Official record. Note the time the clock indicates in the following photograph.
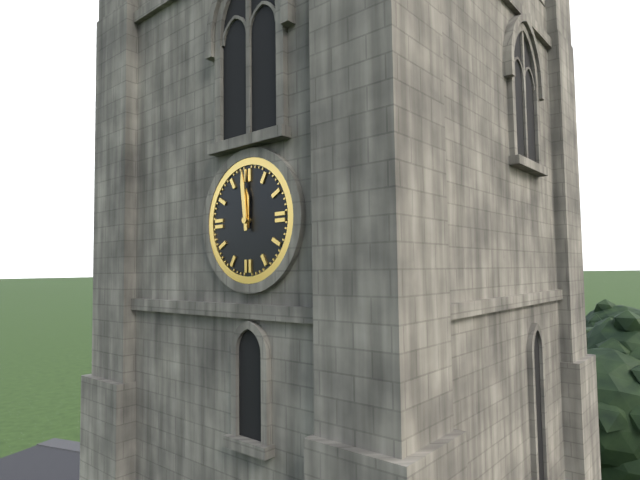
11:59
